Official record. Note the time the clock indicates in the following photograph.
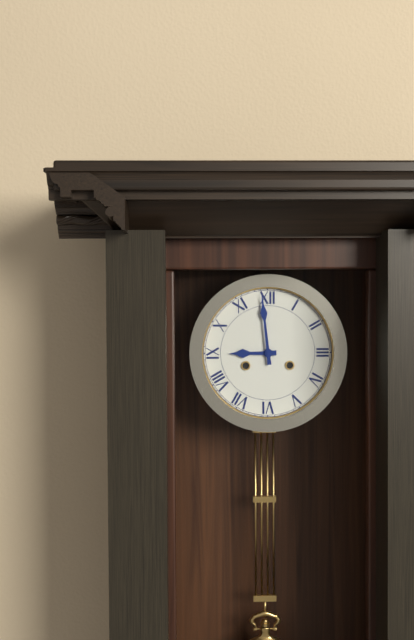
8:59
